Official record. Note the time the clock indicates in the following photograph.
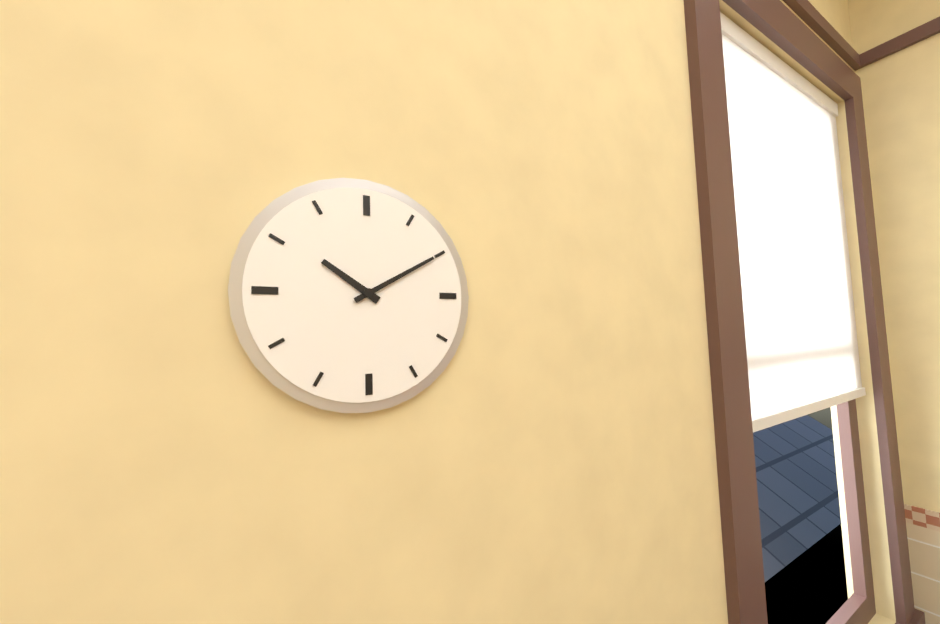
10:10
